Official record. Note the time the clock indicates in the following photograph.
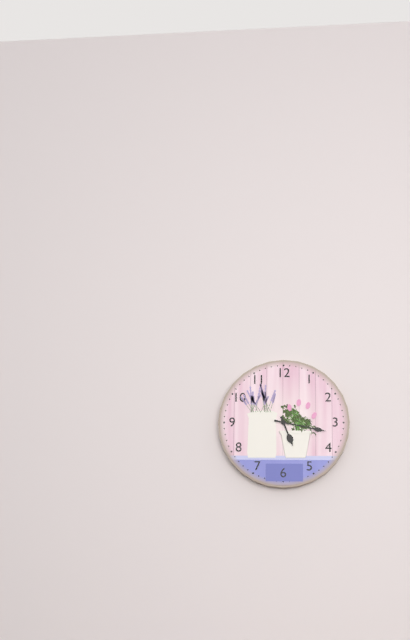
5:17
